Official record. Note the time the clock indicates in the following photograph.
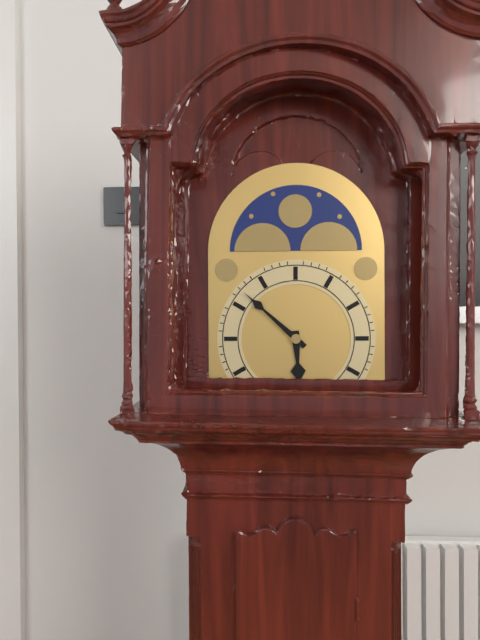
5:52
